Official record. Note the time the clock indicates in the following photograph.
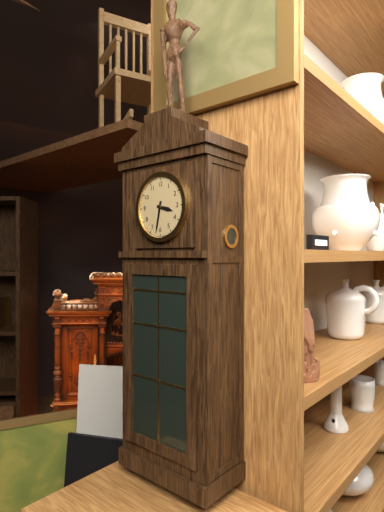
3:32
